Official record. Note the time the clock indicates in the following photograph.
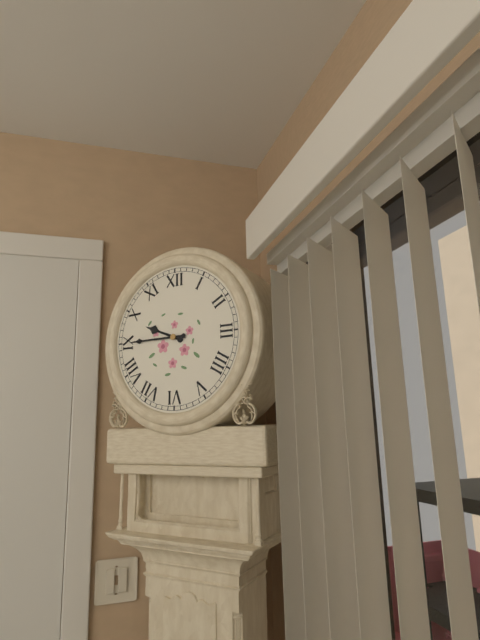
9:45
